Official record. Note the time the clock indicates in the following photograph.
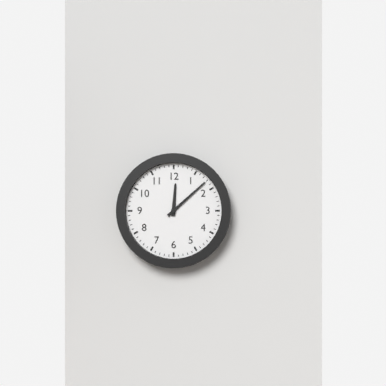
12:08
